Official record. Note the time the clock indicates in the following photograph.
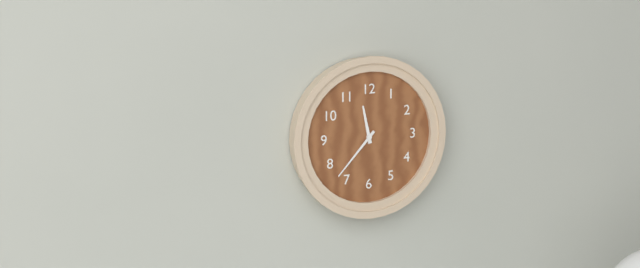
11:37
